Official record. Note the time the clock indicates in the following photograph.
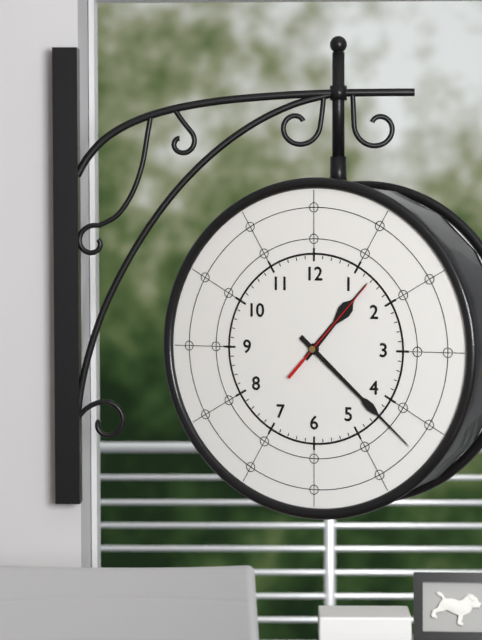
1:22:07
